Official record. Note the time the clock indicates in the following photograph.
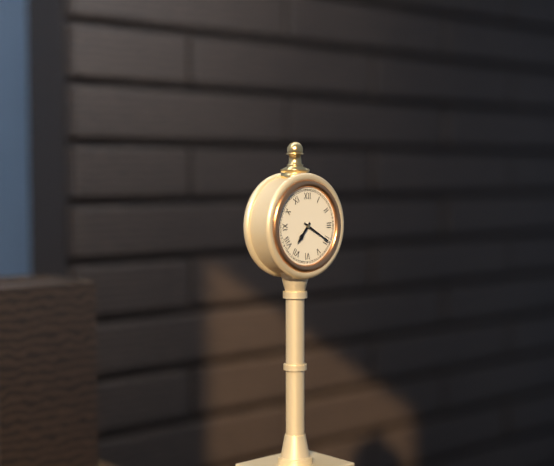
7:20
